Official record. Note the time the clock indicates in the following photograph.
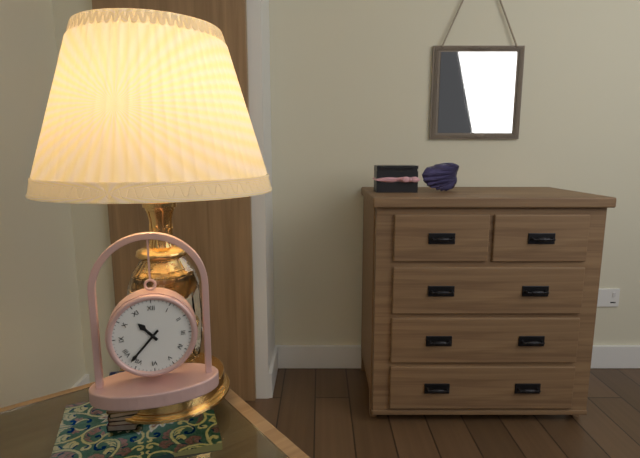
10:37
